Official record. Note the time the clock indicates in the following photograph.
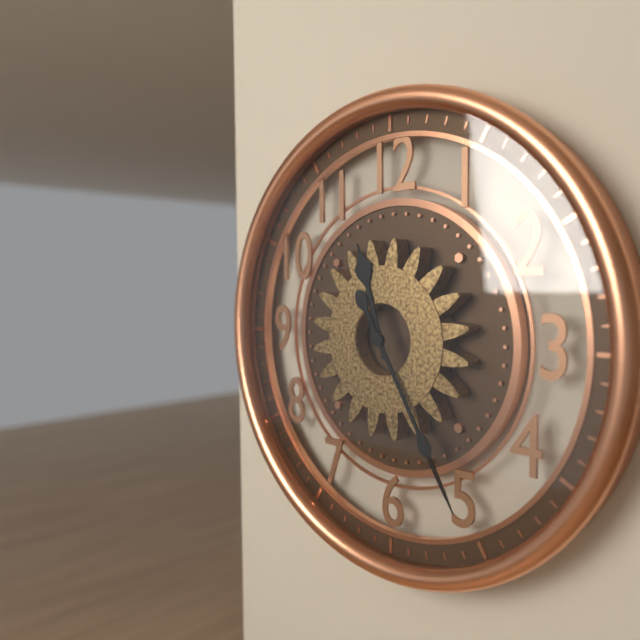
11:25
